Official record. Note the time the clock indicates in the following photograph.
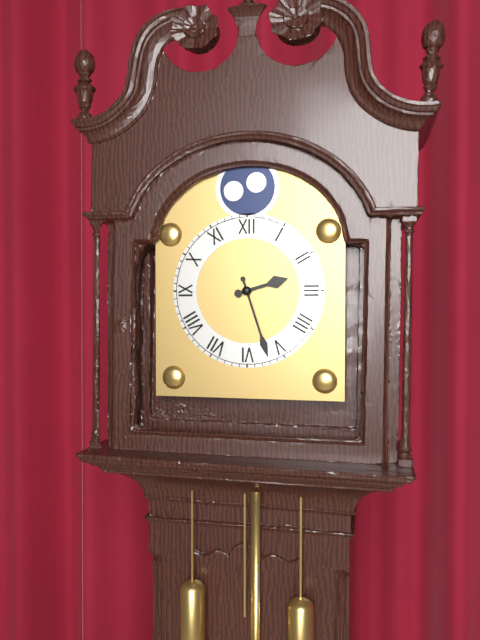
2:27
